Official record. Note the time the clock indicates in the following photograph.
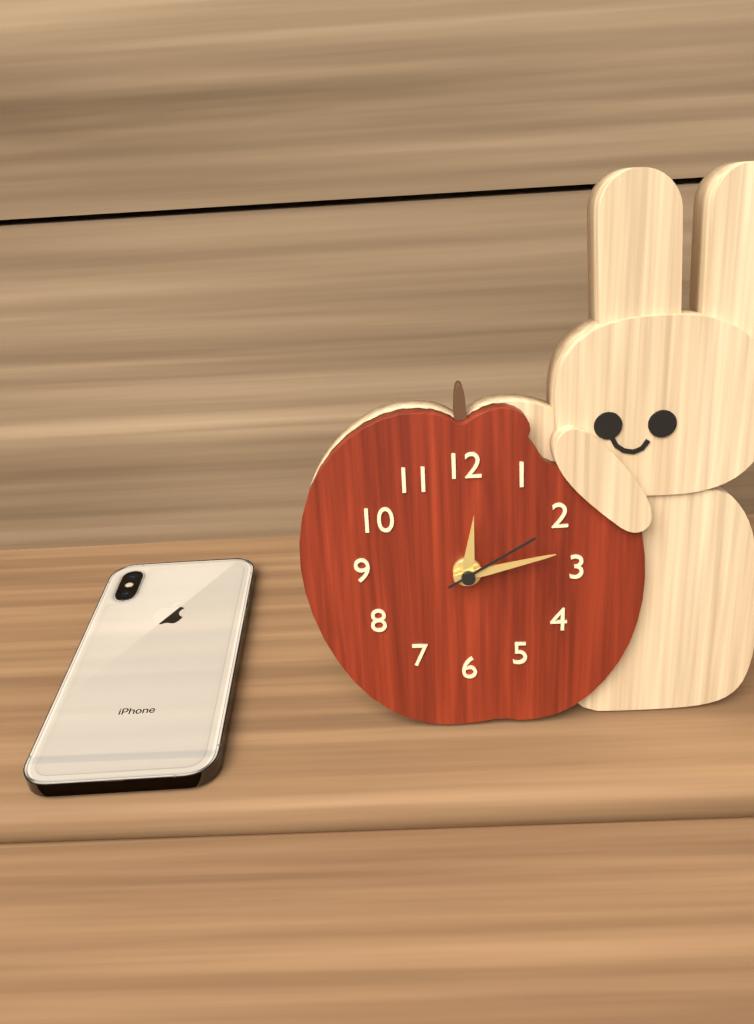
12:13:10
